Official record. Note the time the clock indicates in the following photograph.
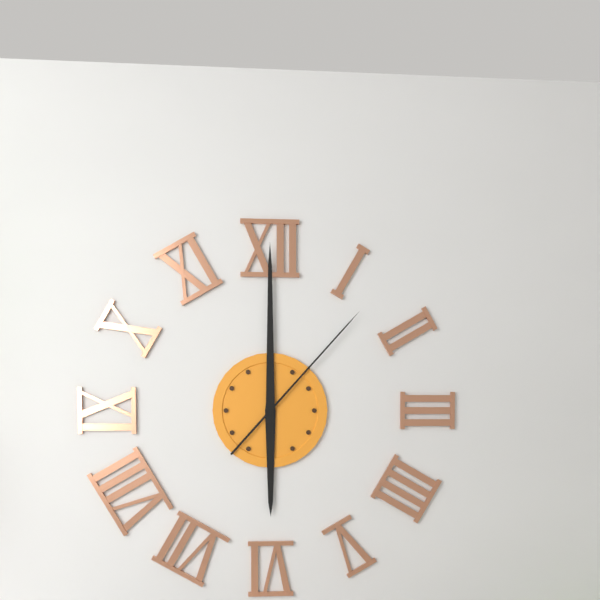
6:00:07
